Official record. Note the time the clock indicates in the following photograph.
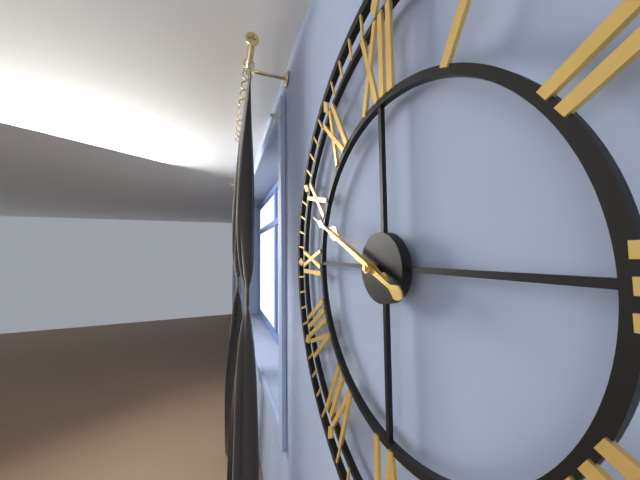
9:49
